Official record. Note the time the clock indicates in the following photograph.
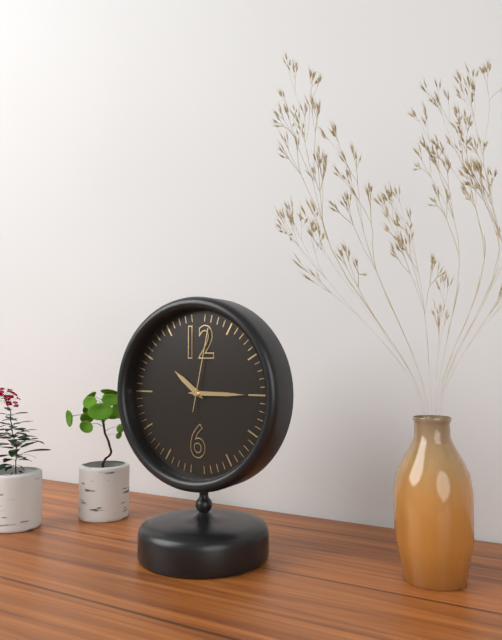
10:15:02
